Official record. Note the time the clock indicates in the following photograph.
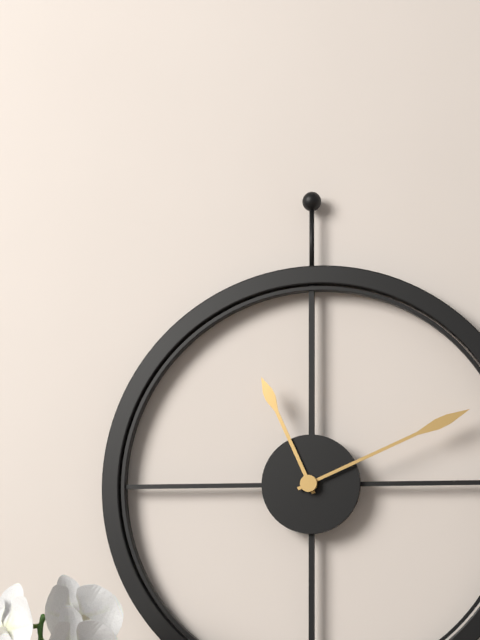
11:11
